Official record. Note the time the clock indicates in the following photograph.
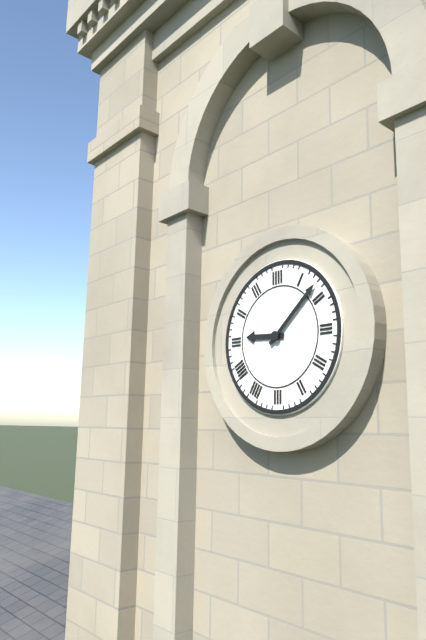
9:08
